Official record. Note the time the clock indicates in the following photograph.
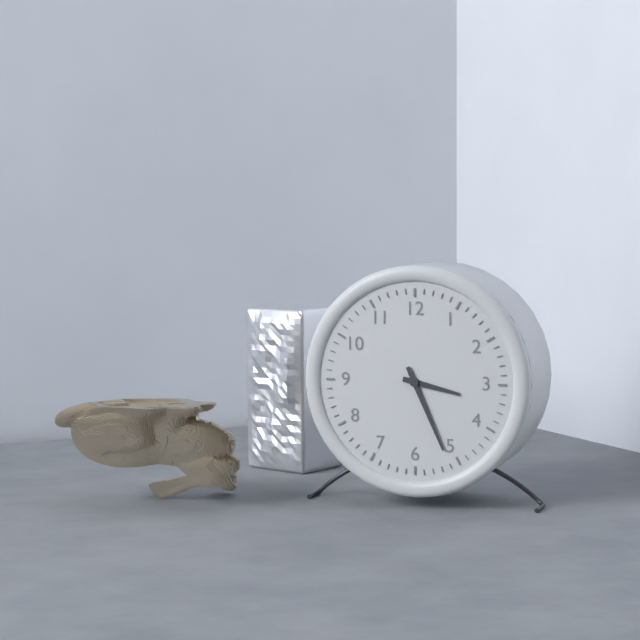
3:26
